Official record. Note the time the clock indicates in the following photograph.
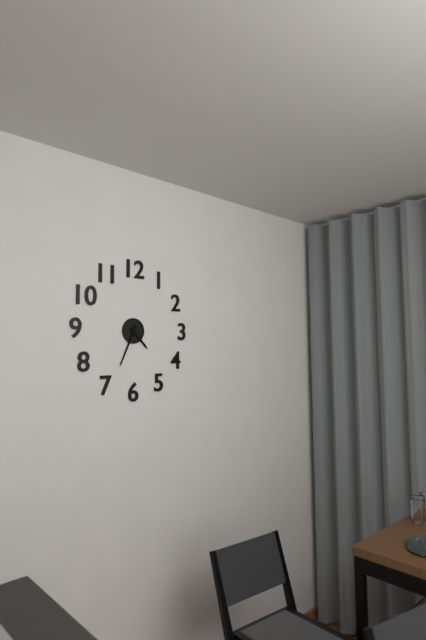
4:34
